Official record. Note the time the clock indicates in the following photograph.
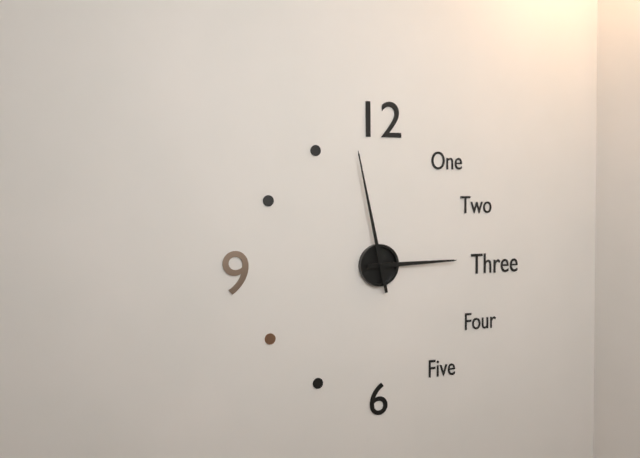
2:58
